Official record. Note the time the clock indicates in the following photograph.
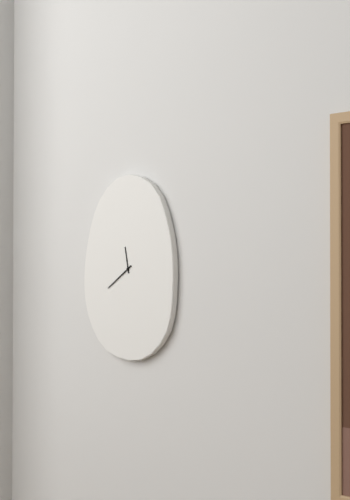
11:39
